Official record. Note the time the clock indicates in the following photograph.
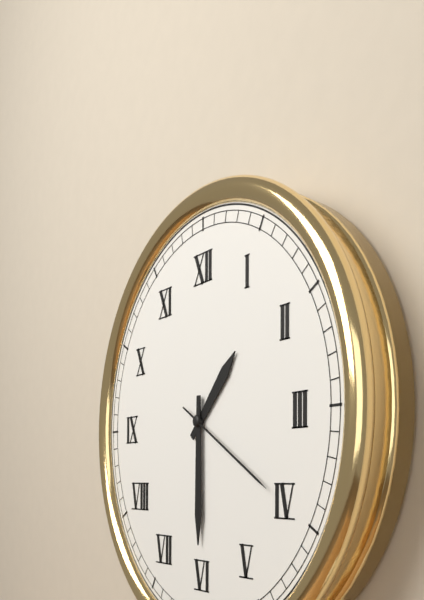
1:30:20
